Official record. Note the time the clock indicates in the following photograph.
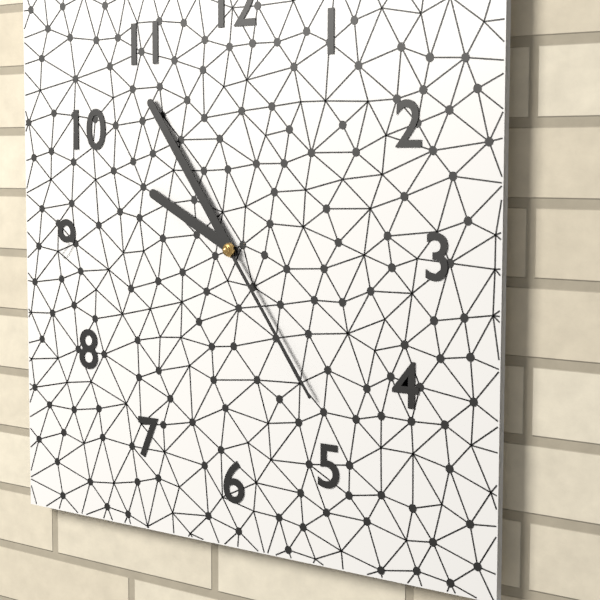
9:54:24
